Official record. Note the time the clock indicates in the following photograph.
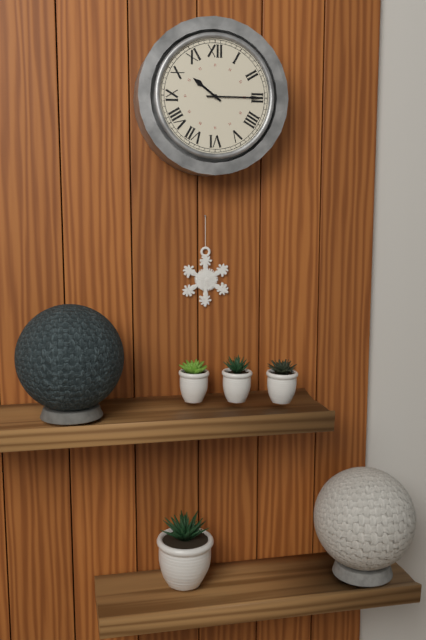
10:15
